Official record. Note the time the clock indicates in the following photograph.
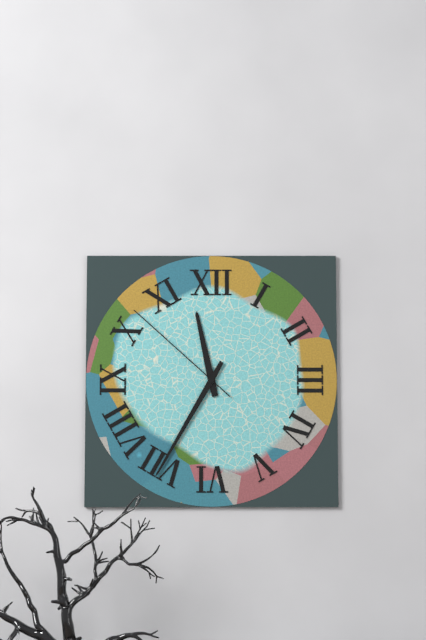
11:35:52
